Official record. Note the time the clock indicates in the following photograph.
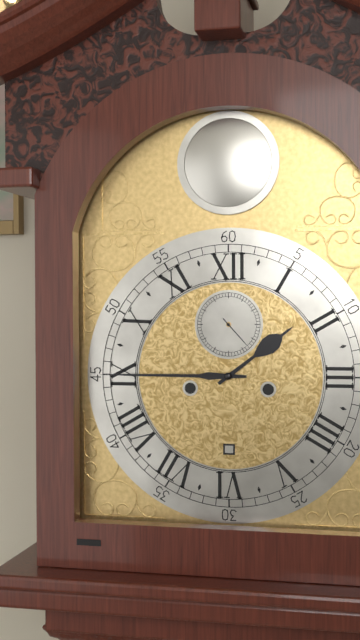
1:45
